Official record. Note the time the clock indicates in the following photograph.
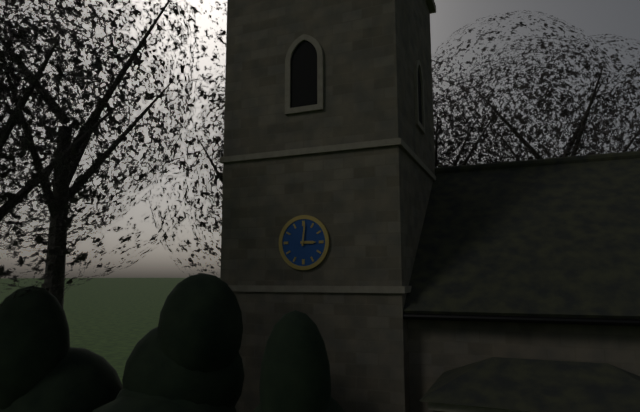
3:01
